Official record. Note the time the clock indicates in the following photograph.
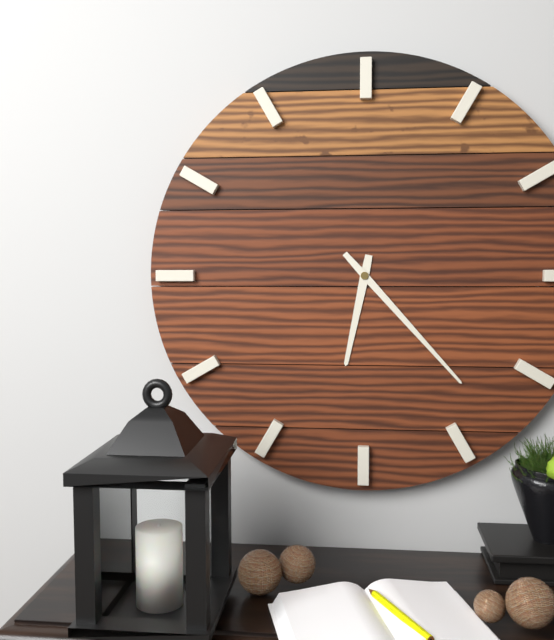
6:23
